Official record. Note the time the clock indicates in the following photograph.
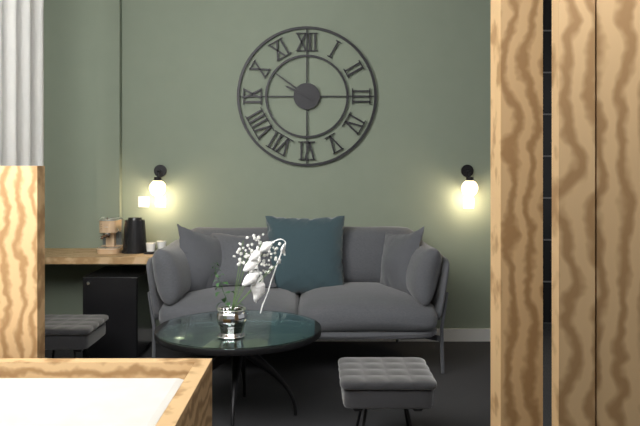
9:51
